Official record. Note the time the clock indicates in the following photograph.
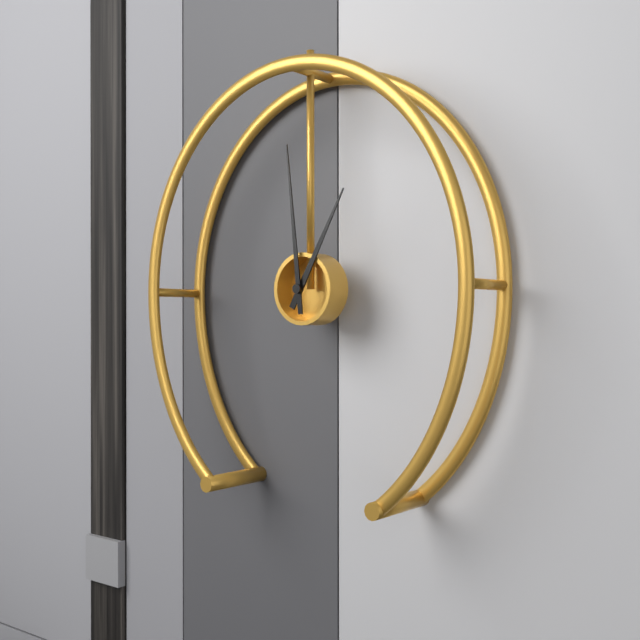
12:59
